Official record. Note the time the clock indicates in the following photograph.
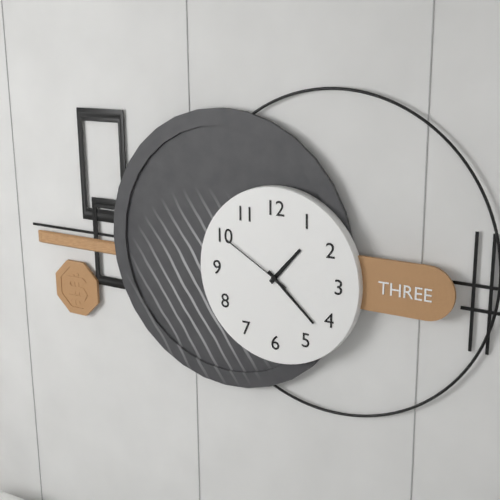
1:22:50
